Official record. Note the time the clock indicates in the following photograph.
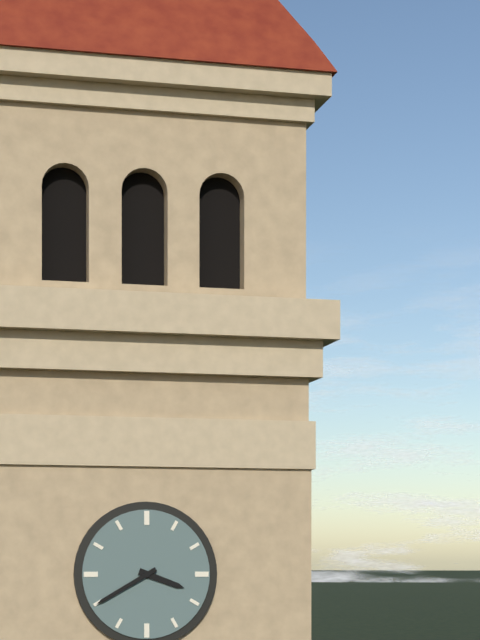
3:40
